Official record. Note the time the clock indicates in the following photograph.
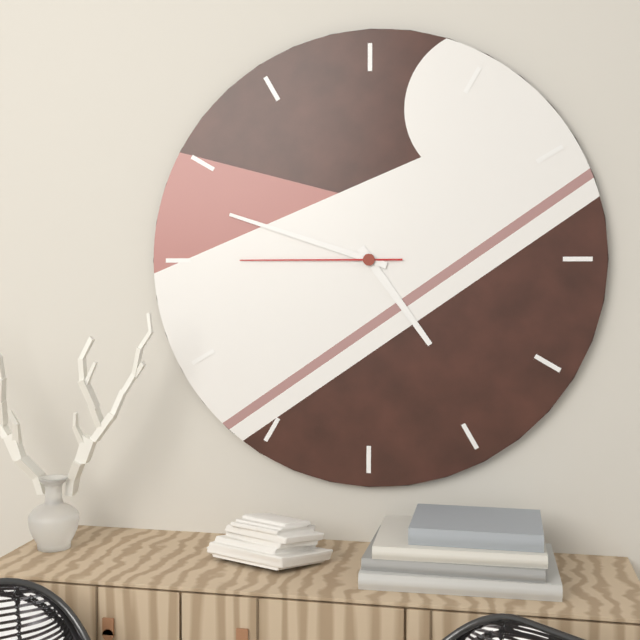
4:48:45
